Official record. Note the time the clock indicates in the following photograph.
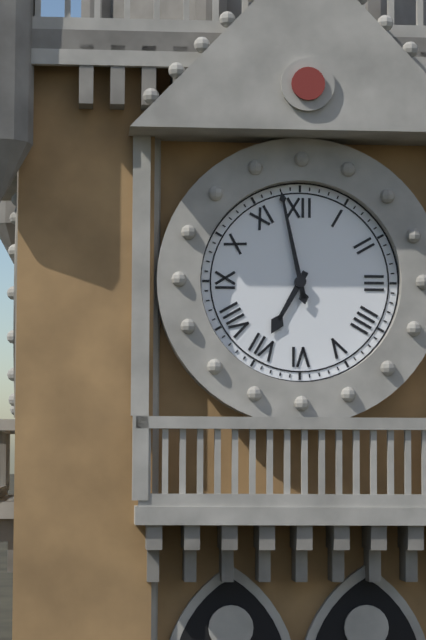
6:58
